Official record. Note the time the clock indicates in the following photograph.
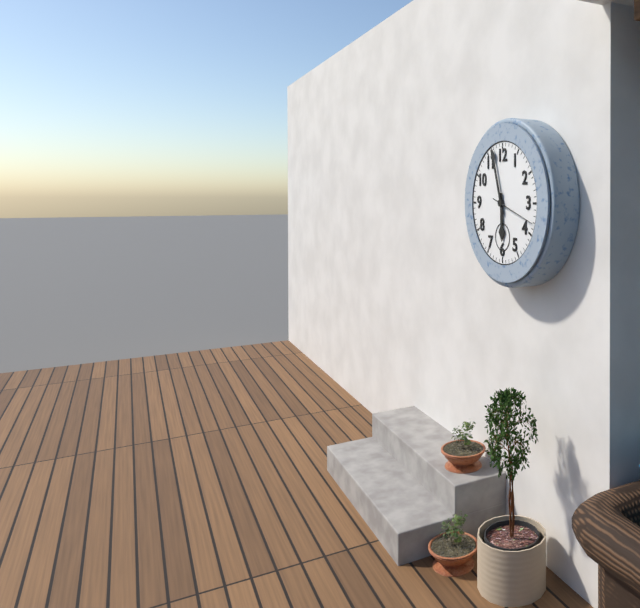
5:57
